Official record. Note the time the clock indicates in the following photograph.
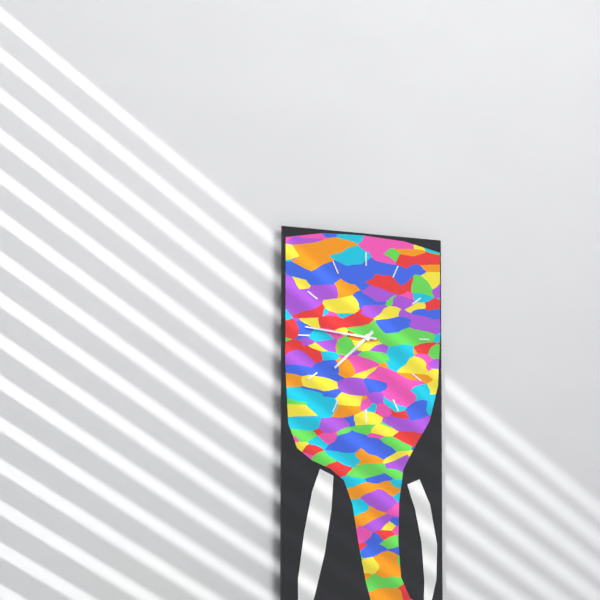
7:46
